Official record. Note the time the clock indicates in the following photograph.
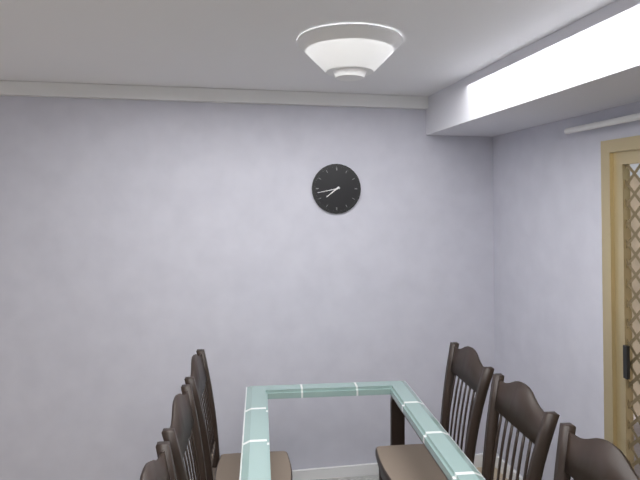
7:43
